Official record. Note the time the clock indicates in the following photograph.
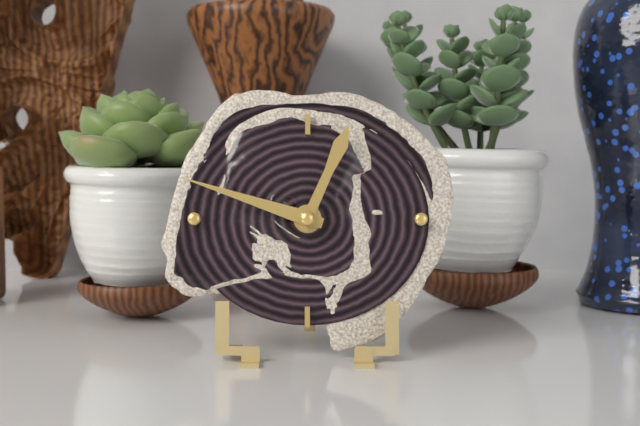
12:48
